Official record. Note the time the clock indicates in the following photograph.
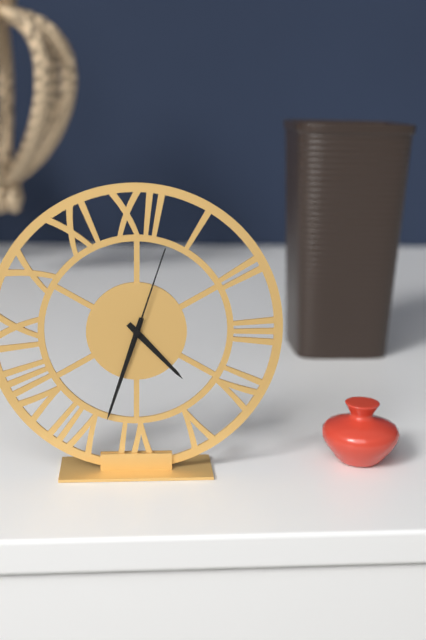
4:33:03
